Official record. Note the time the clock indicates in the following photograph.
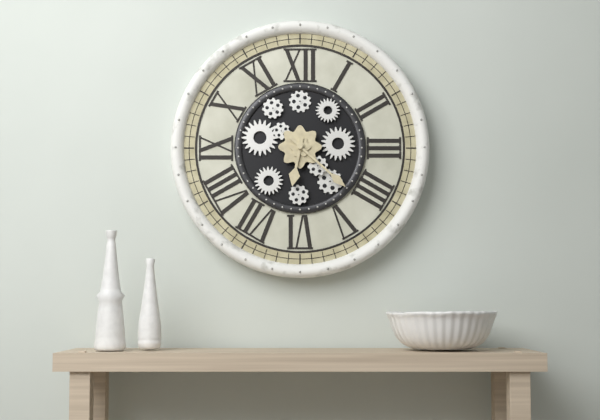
6:22
